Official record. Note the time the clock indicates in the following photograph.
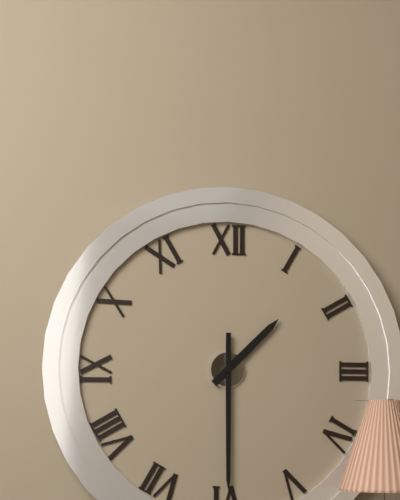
1:30
